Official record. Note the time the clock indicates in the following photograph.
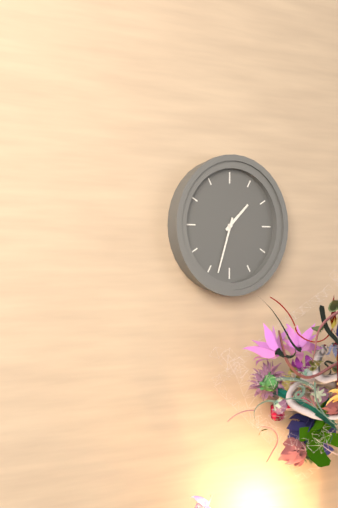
1:33
